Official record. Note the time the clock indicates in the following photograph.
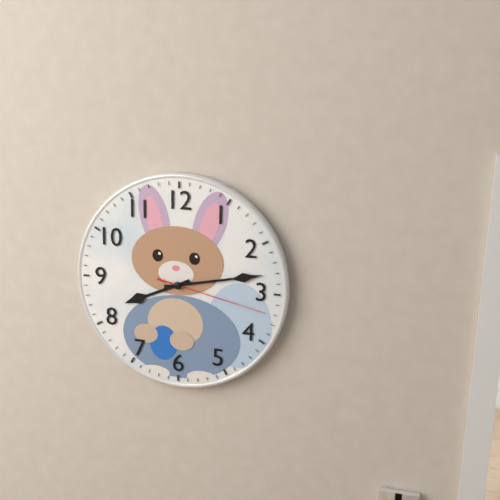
8:13:17
